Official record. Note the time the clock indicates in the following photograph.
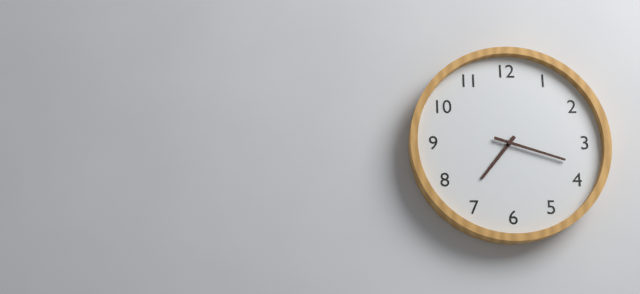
7:18
